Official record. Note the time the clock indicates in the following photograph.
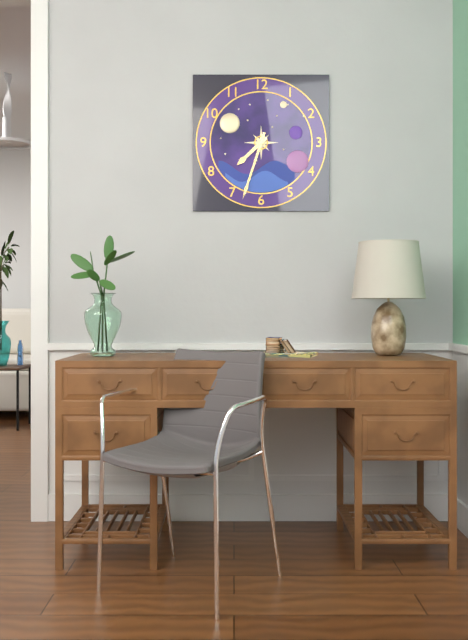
7:33
